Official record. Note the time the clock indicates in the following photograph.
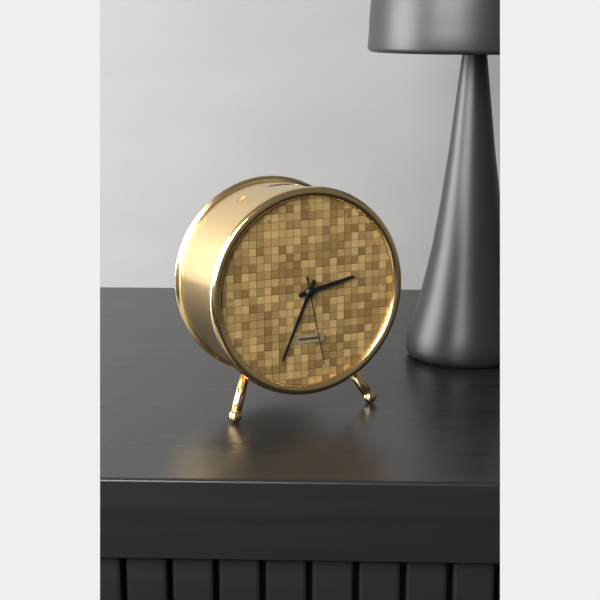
2:34:28
